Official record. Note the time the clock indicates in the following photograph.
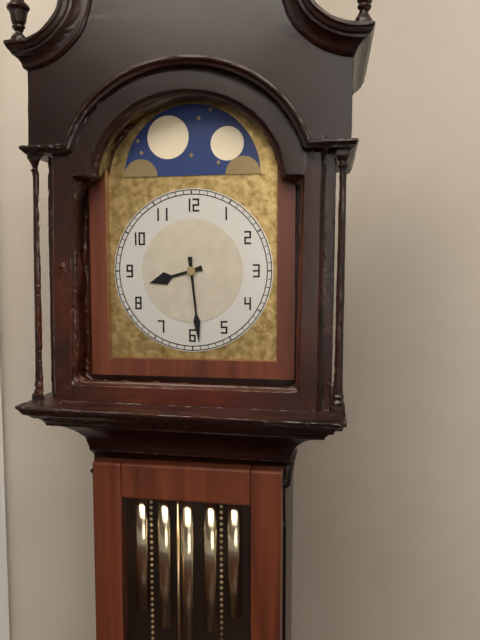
8:29
